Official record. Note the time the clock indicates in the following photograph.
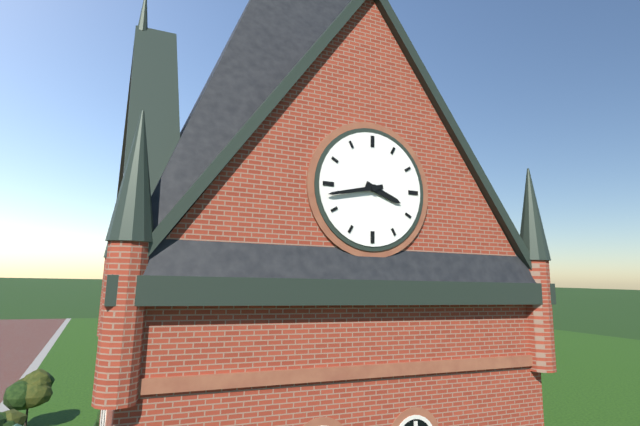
3:43
